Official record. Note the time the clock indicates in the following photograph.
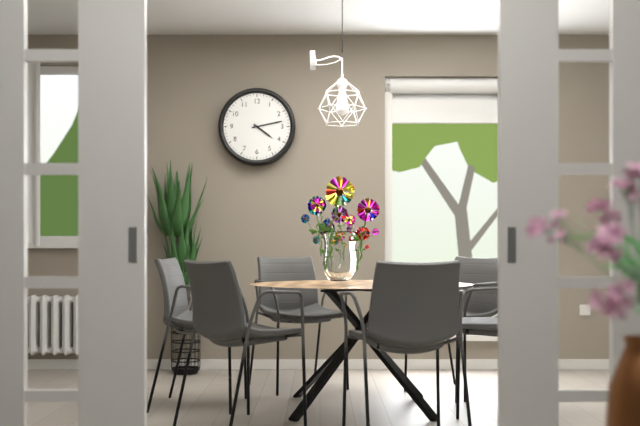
4:13
